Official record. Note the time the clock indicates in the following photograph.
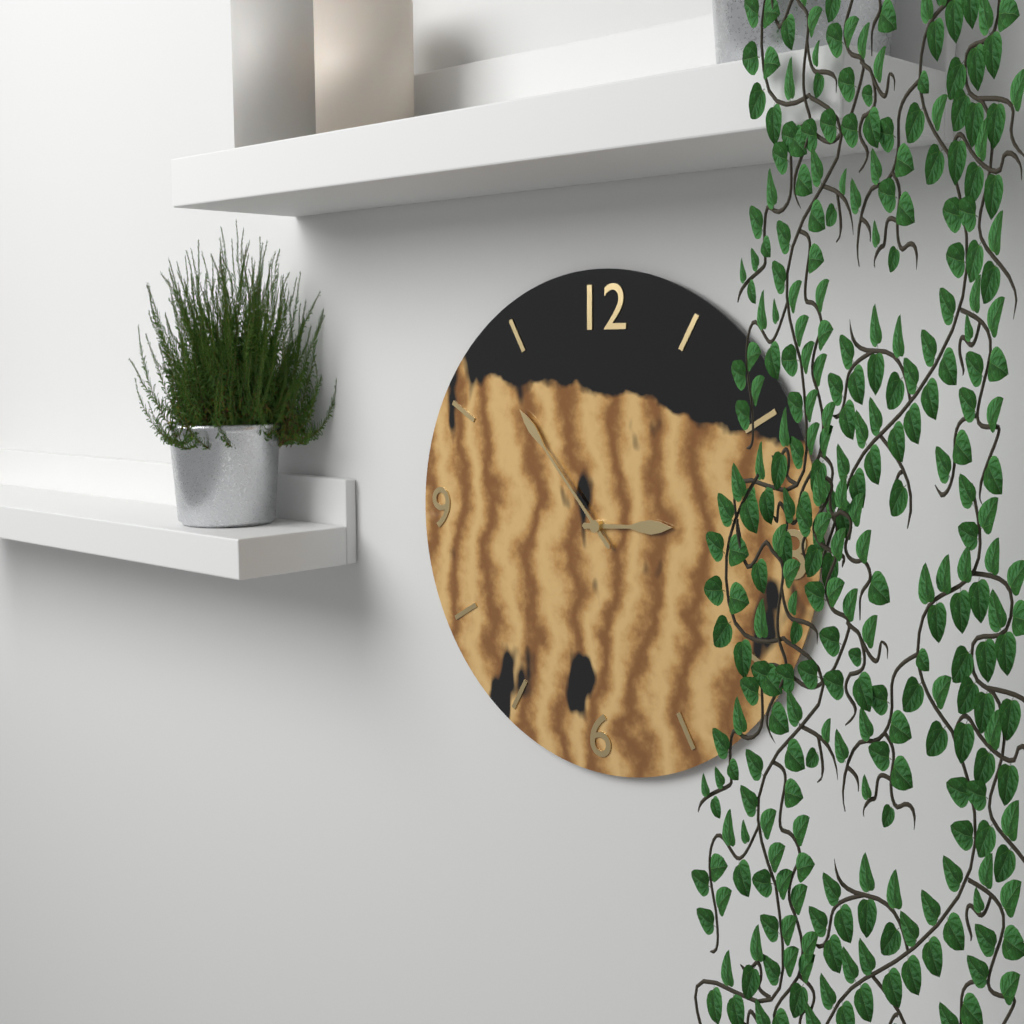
2:53
